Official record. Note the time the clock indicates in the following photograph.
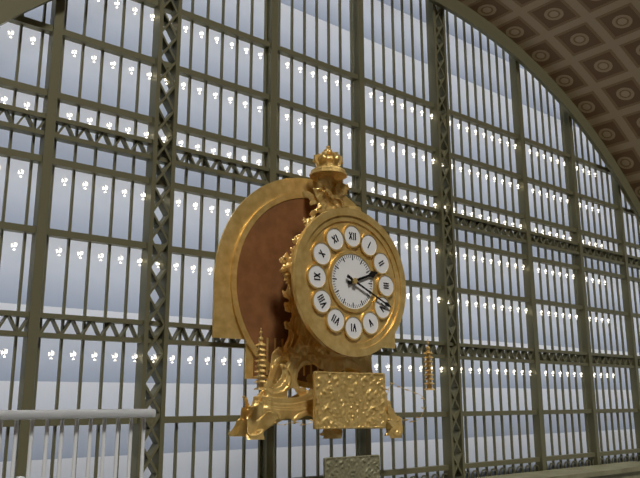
2:19
